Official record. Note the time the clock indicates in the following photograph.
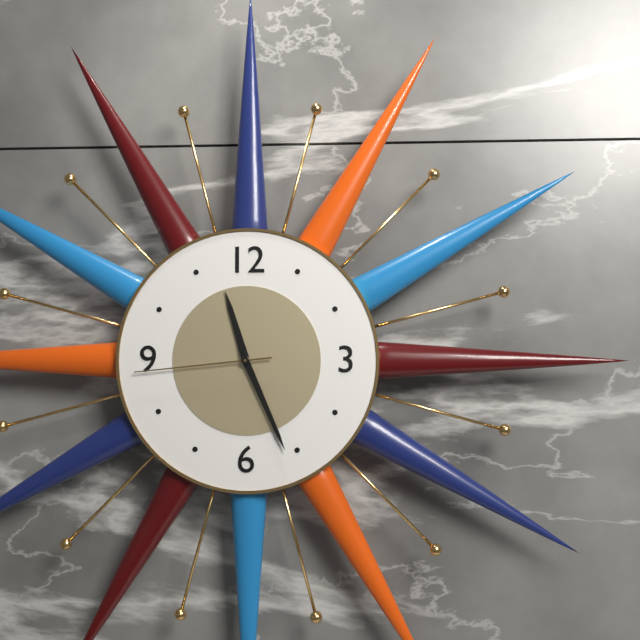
11:26:44
